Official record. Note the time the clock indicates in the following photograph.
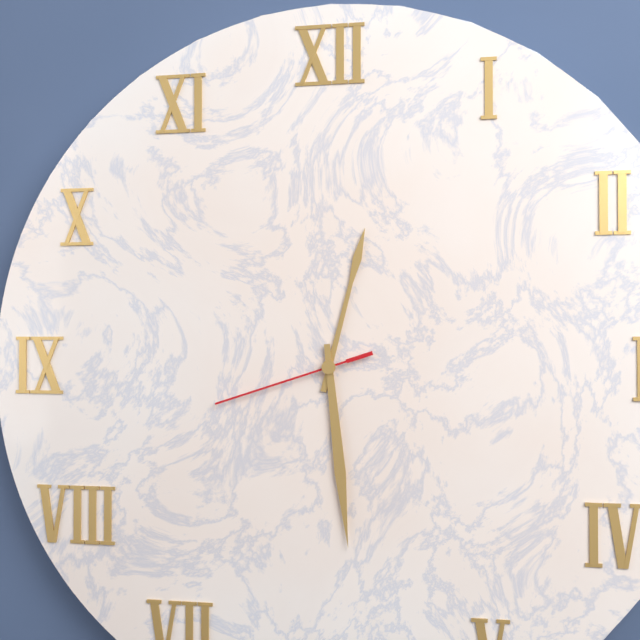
12:29:42
